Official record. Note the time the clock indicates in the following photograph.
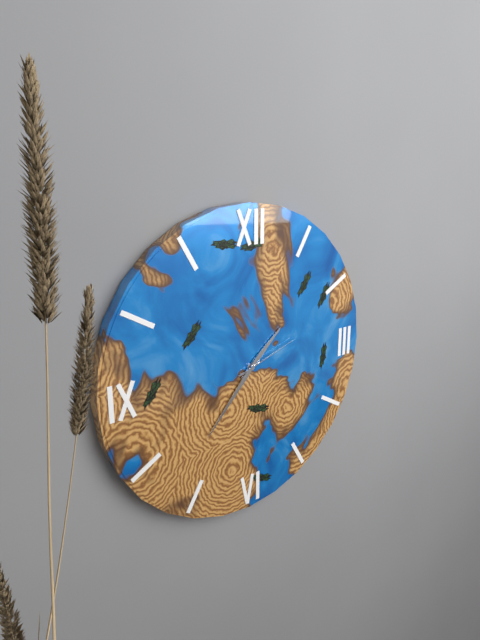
1:37:12
